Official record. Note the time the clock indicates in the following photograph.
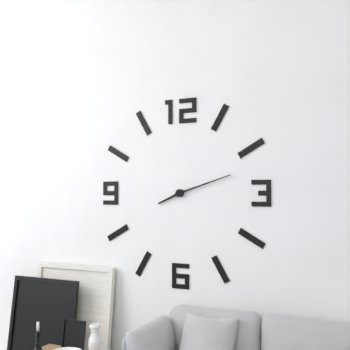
8:12
